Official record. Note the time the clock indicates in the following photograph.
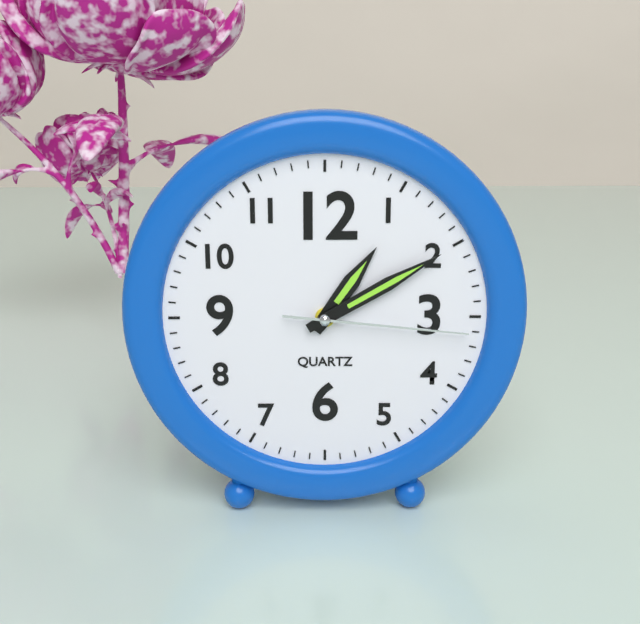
1:10:16
